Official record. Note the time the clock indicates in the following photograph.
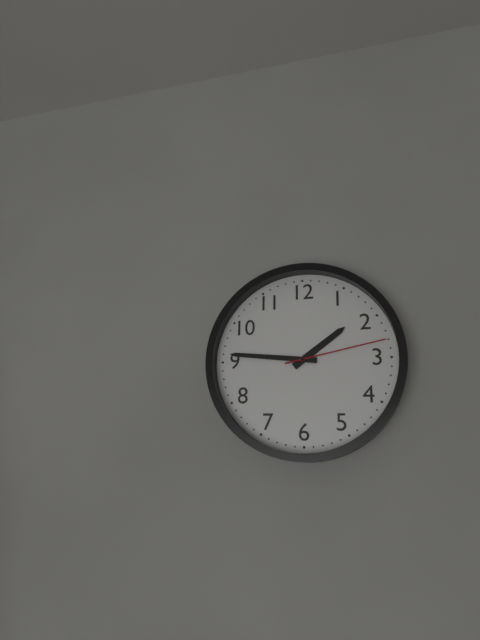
1:46:13
